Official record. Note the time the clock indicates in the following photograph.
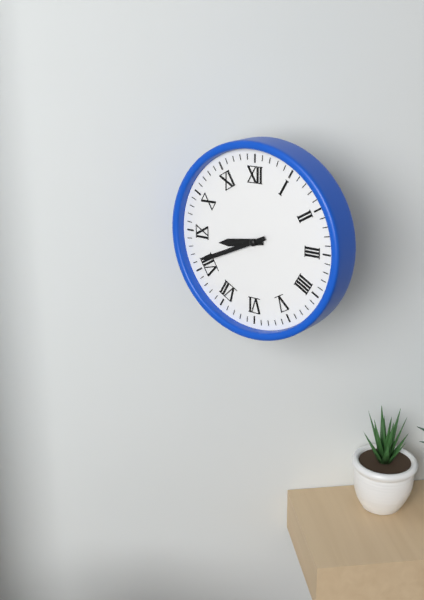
8:41
